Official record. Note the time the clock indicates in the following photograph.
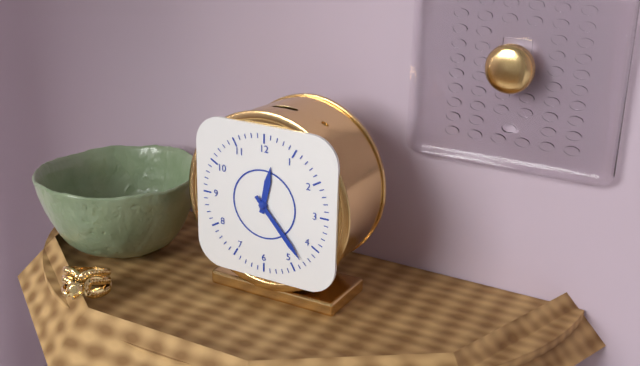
12:23
